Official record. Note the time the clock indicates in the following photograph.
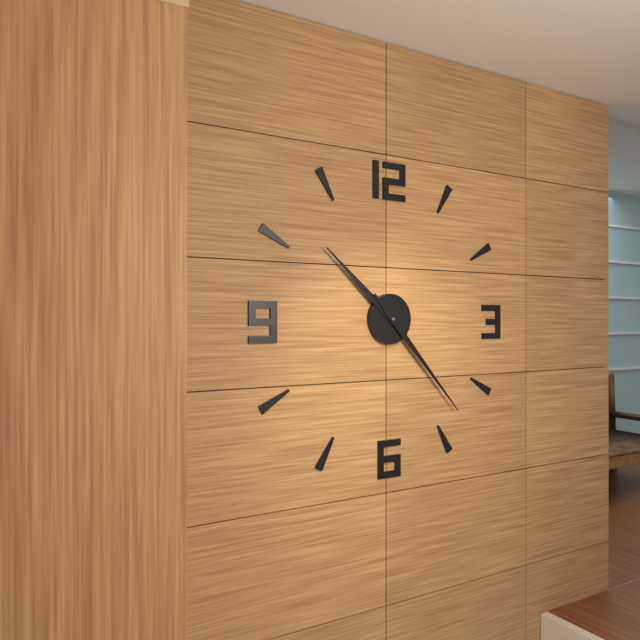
10:23
